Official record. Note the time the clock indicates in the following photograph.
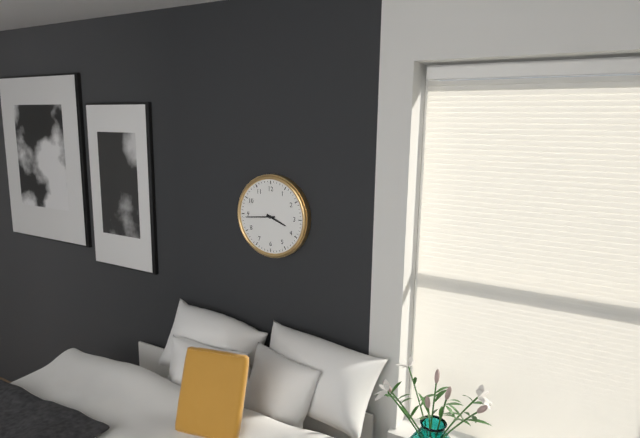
3:44
